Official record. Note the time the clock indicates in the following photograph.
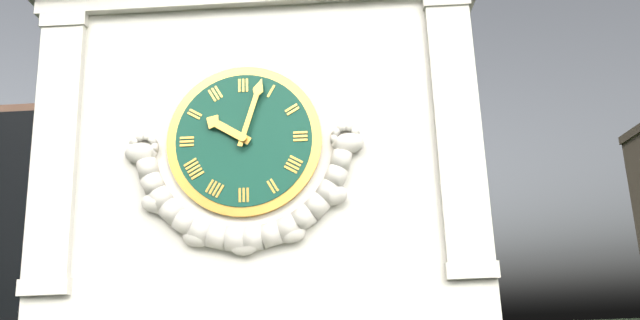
10:03
